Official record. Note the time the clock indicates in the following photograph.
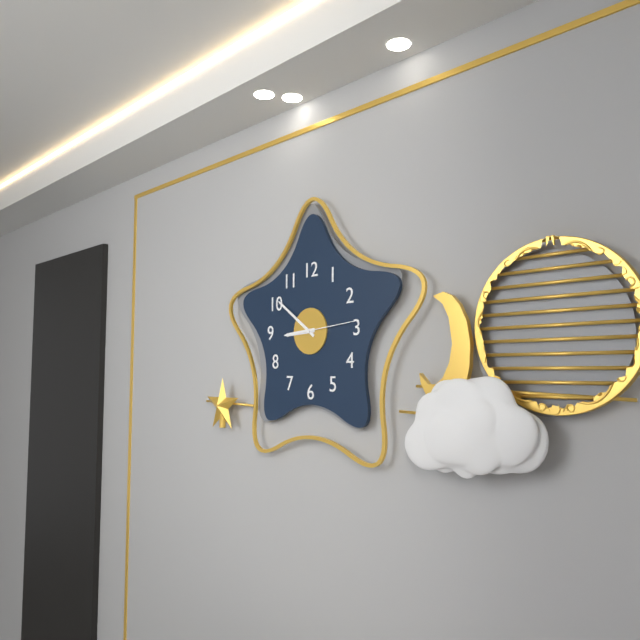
8:51
